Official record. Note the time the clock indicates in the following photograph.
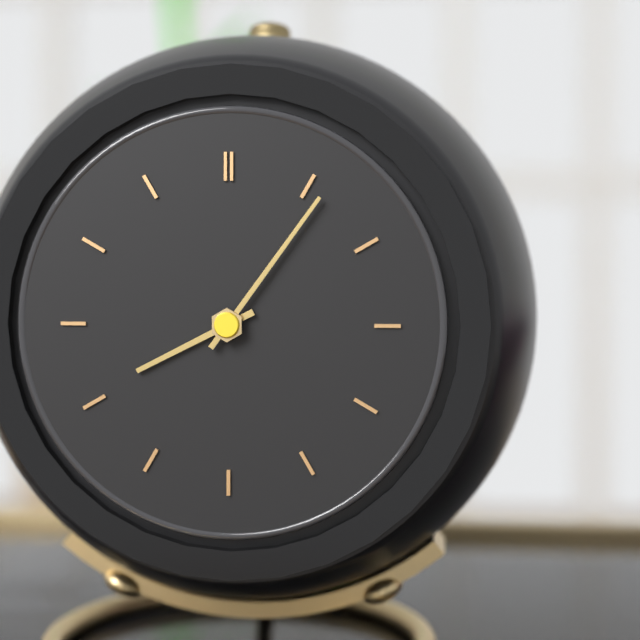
8:06
